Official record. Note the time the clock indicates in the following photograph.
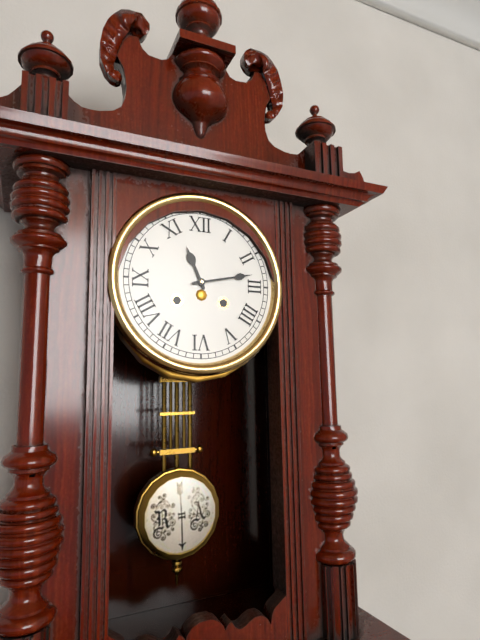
11:13
